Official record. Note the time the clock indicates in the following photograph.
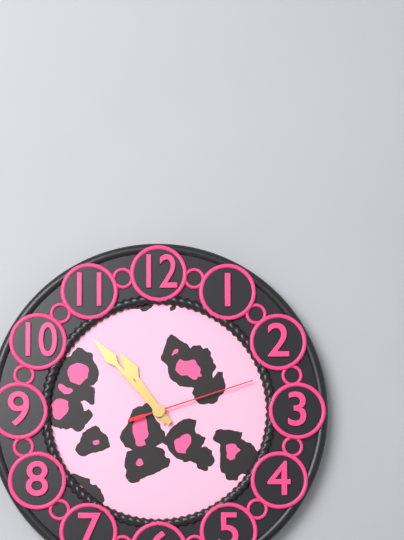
10:53:12
